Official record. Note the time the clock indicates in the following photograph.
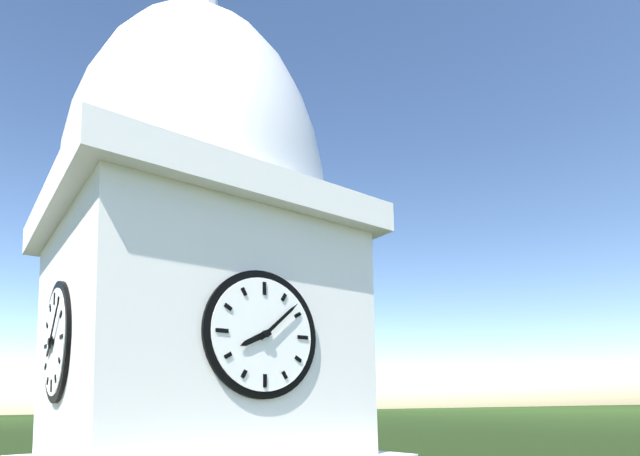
8:08
